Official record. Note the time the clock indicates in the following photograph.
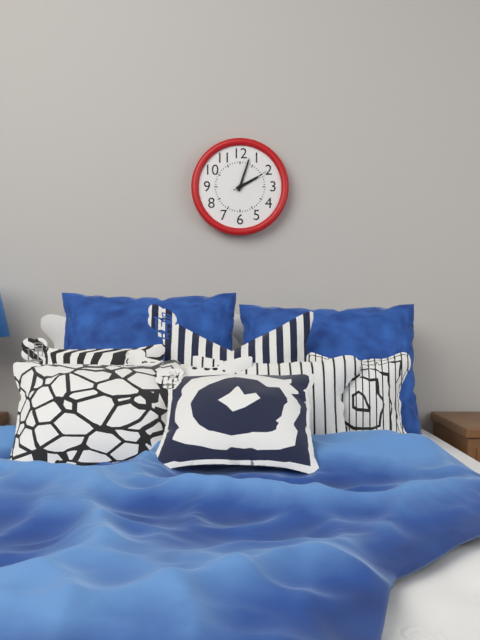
2:03
